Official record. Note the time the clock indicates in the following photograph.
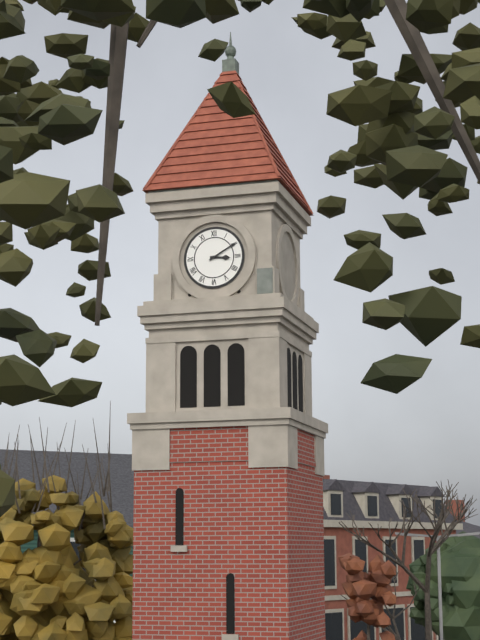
3:10
